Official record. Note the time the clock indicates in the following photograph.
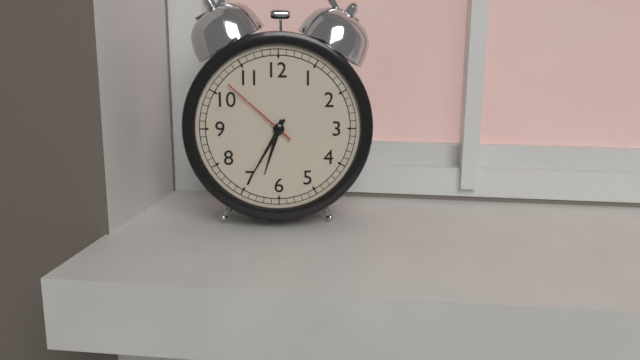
6:35:52
